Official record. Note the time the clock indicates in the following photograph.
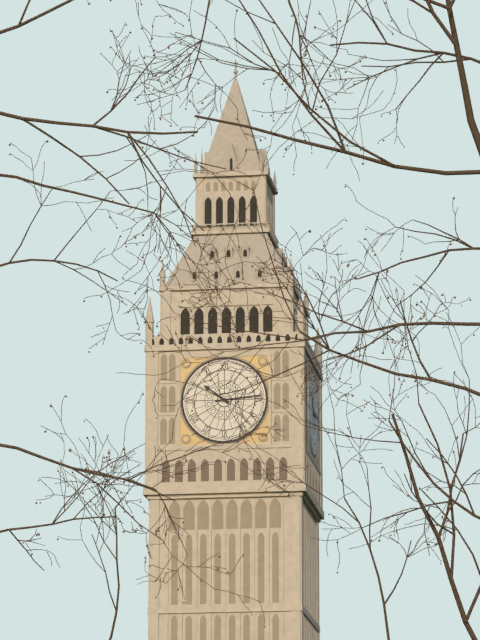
10:14
